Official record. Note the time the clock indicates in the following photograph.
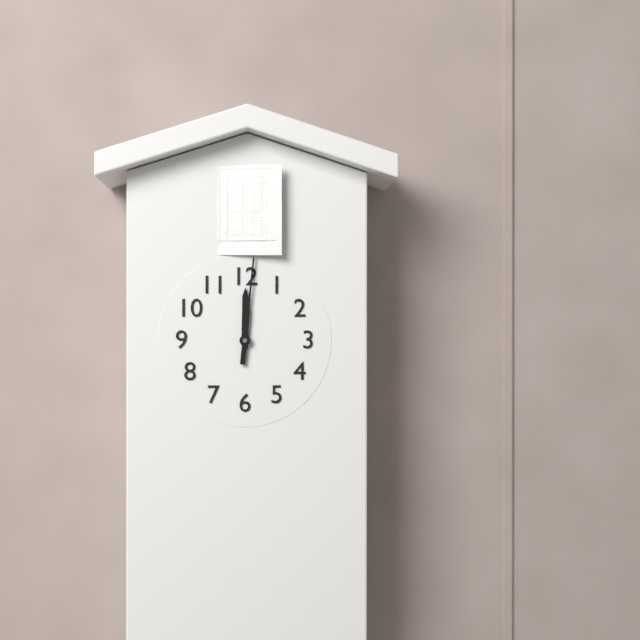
12:01
